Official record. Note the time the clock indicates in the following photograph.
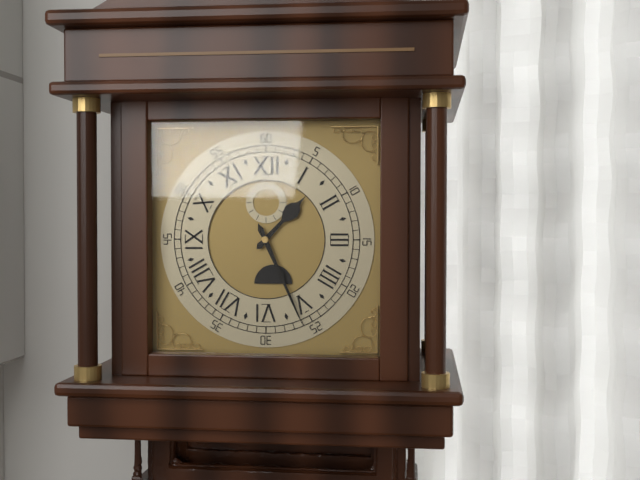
1:26
